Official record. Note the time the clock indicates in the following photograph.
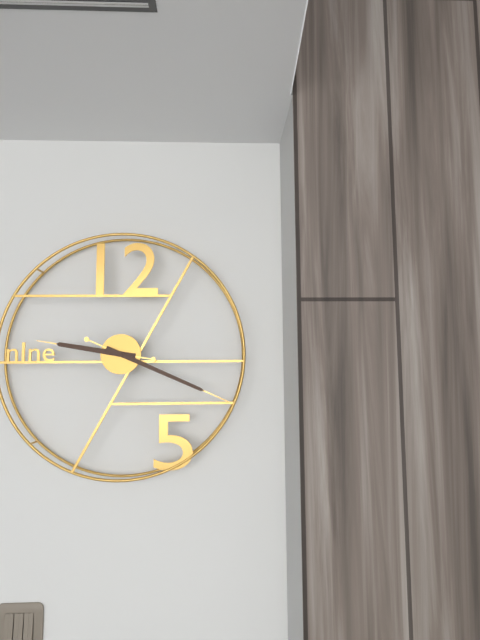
9:19
